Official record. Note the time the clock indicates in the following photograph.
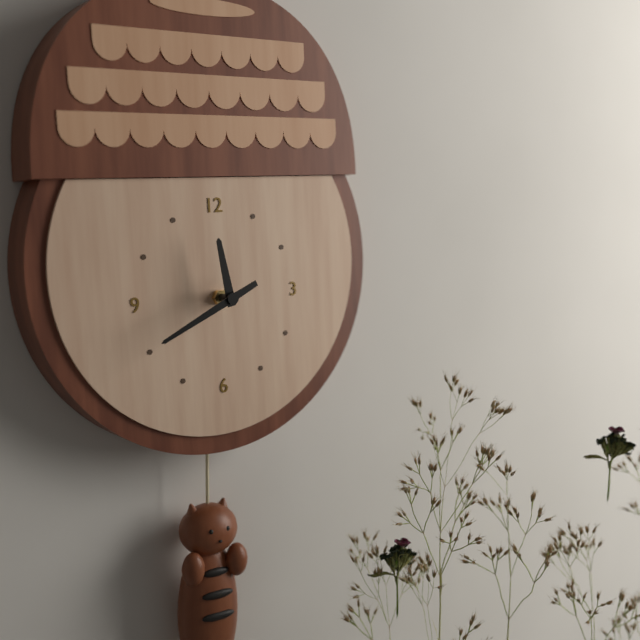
11:41
